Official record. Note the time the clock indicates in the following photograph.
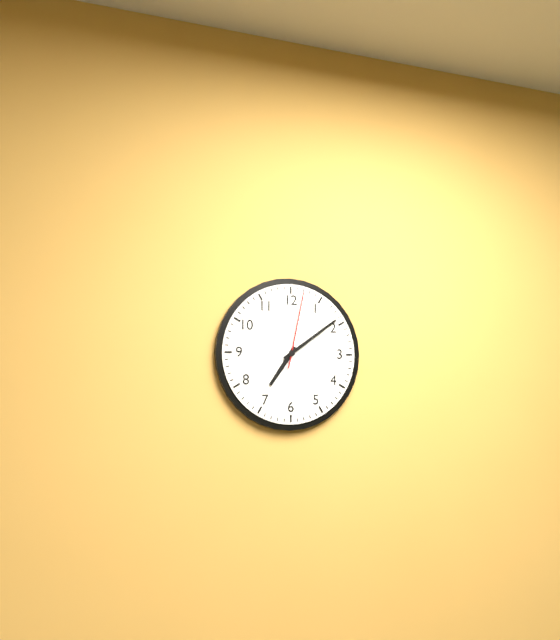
7:09:02
